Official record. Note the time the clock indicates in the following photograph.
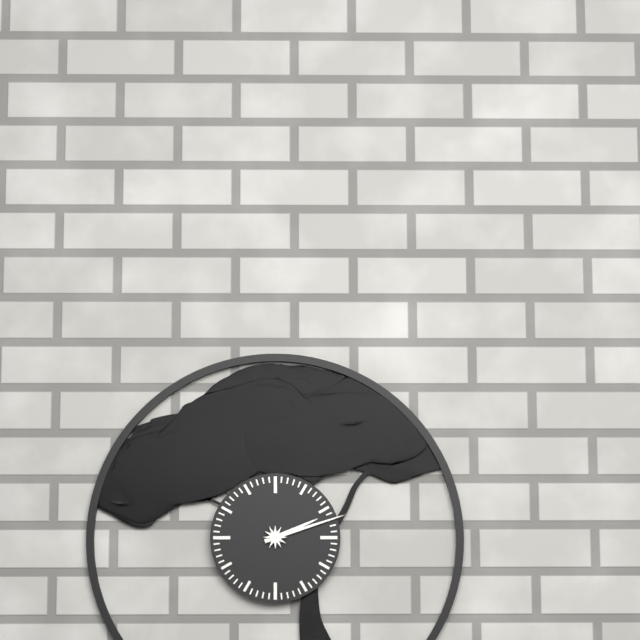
2:12
